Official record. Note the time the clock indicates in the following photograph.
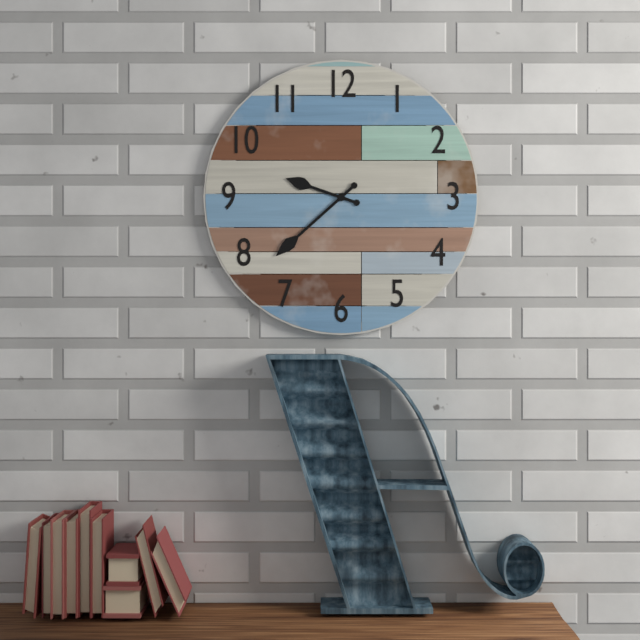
9:38
